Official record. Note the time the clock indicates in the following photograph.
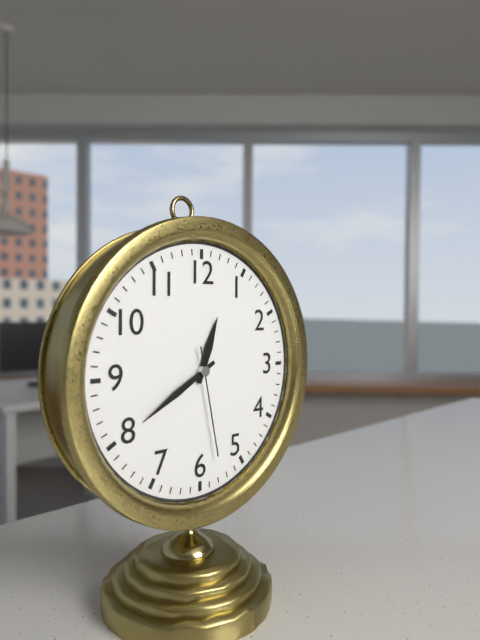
12:40:28
